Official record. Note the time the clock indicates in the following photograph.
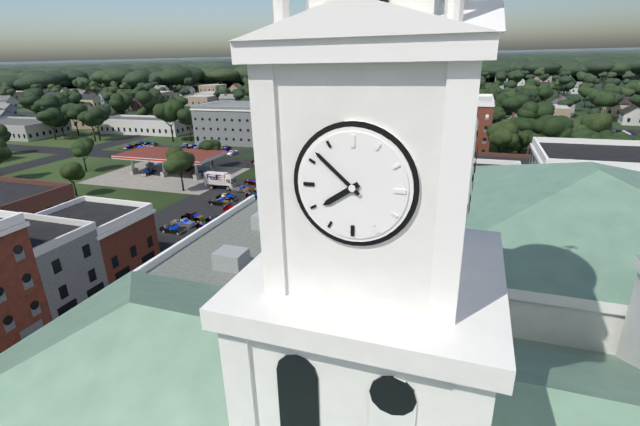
7:52
